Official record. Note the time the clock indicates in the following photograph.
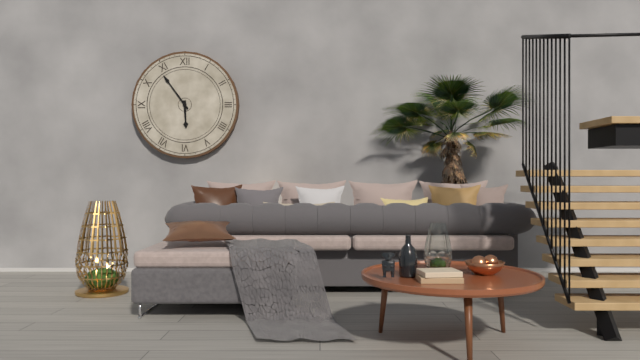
5:54
